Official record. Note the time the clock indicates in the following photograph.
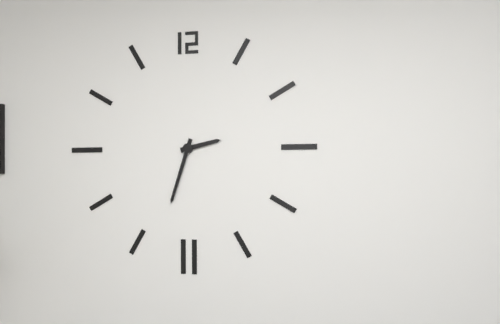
2:33
